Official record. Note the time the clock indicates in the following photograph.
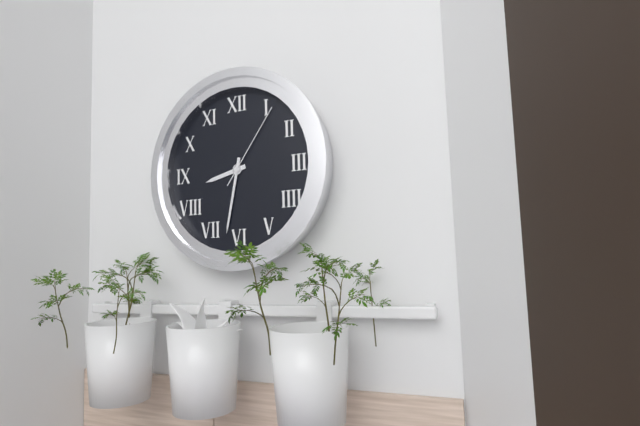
8:32:06
